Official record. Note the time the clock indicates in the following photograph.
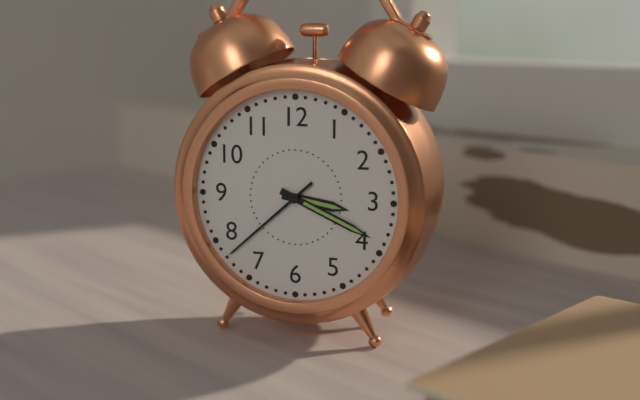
3:19:38
